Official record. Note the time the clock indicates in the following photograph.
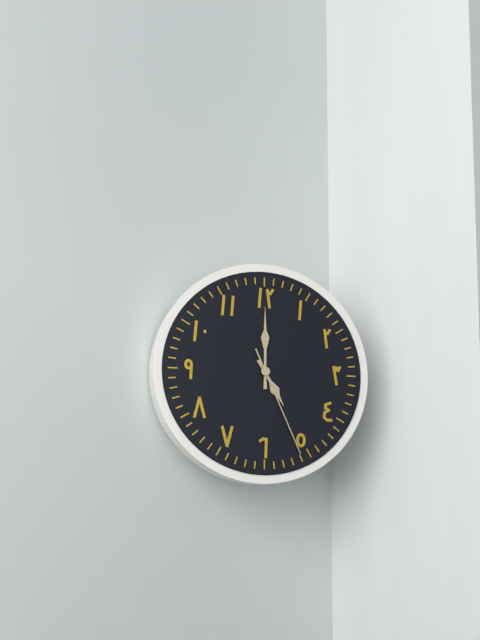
5:00:26
